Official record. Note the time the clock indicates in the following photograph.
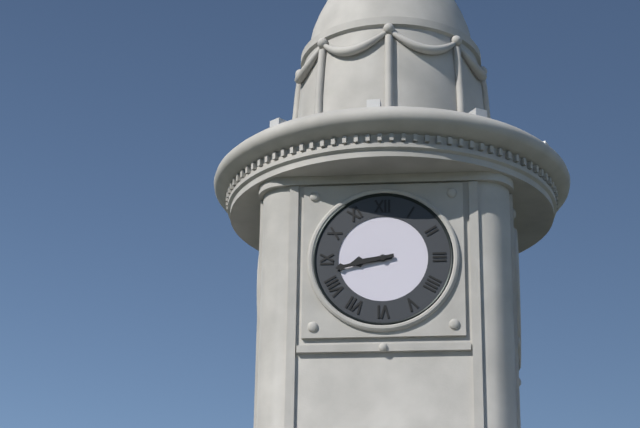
8:43
